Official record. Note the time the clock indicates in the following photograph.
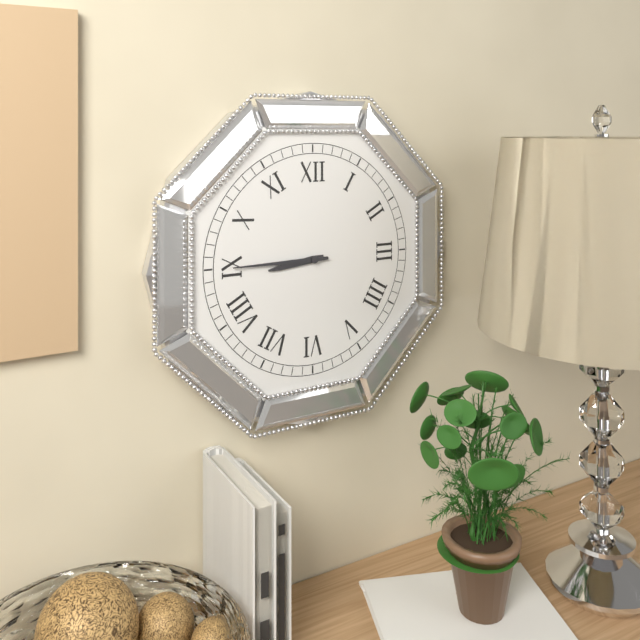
8:45
